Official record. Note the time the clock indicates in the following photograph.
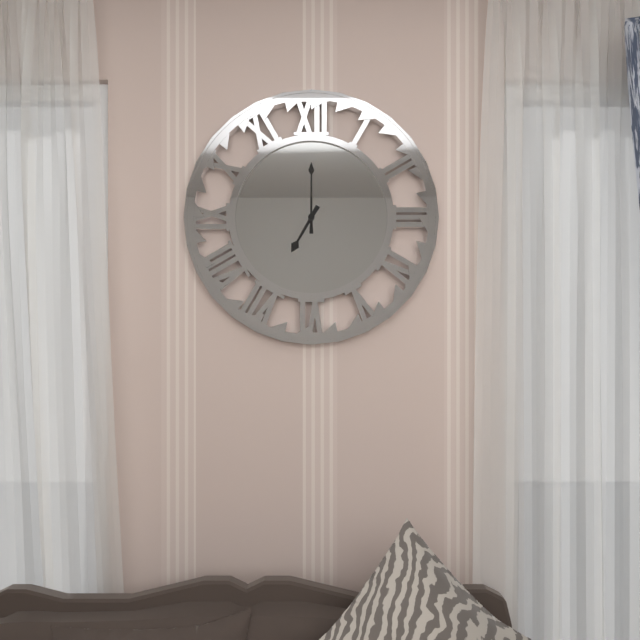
7:00
